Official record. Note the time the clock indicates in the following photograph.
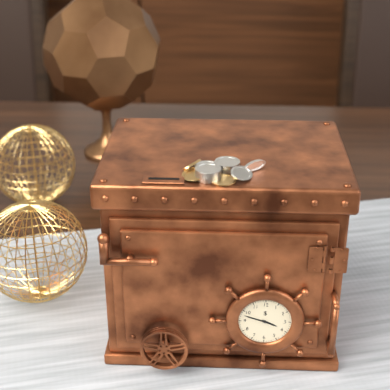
3:48
